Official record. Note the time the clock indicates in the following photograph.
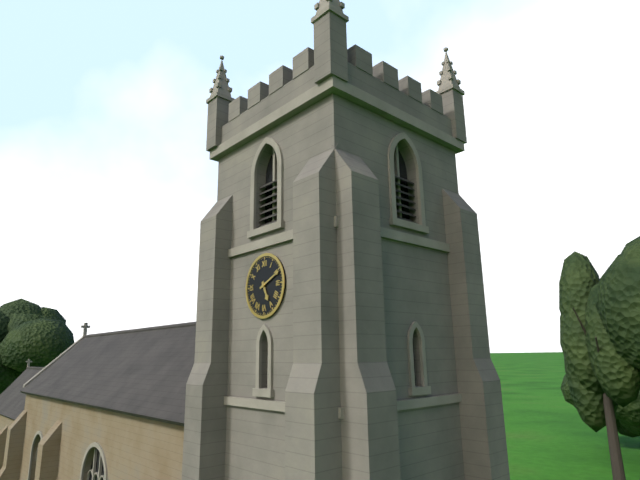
5:11
